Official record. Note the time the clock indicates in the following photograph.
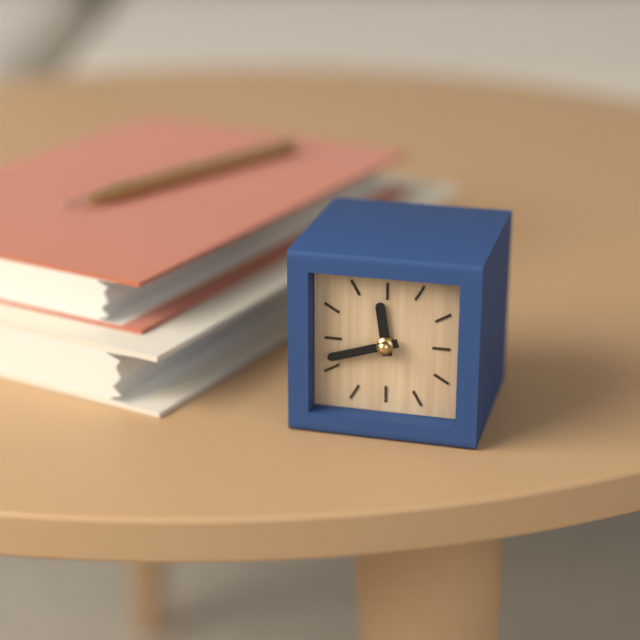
11:42
